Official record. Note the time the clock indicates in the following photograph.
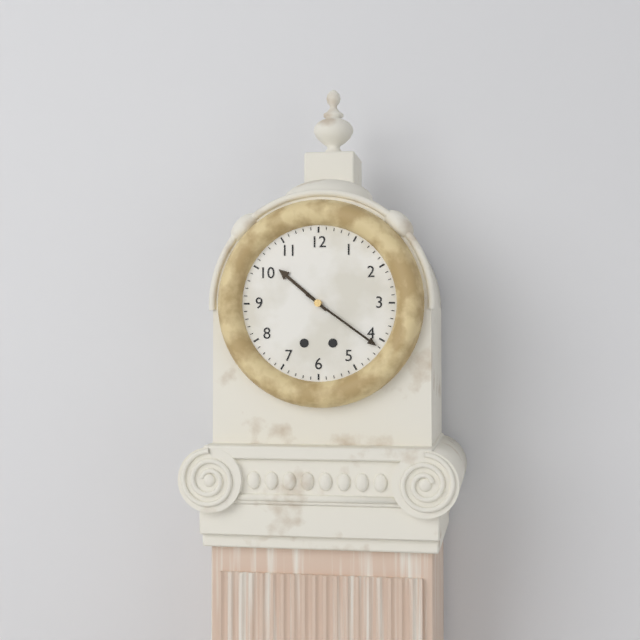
10:21
